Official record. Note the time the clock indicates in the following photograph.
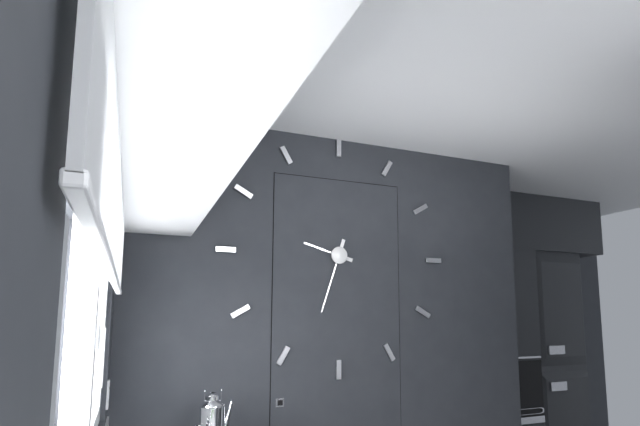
9:33
